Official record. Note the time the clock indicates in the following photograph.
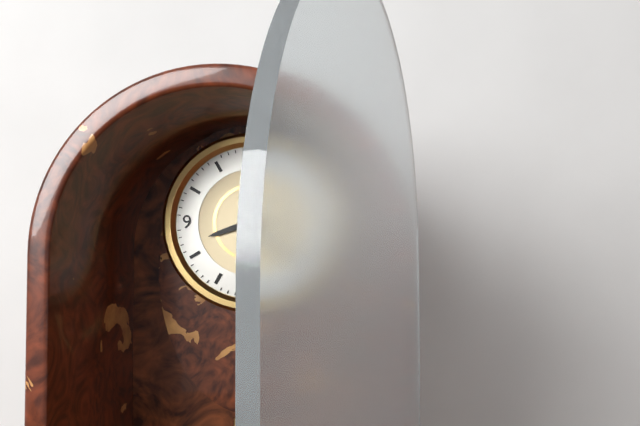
8:23
